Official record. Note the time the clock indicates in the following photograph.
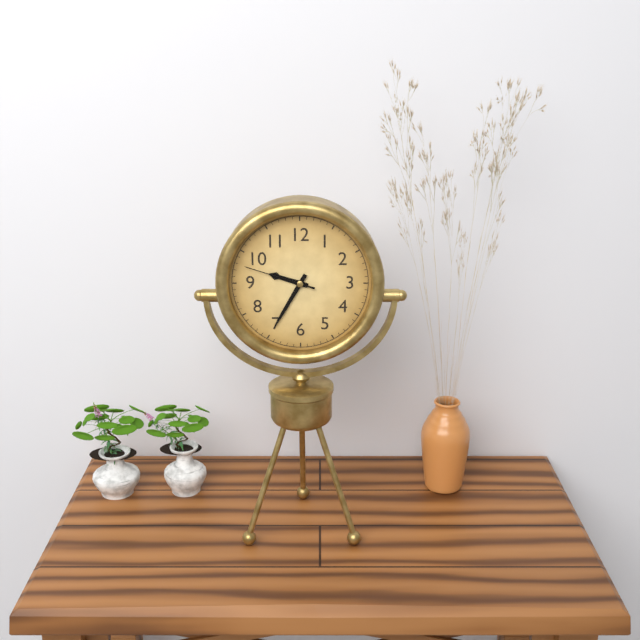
9:35:48
